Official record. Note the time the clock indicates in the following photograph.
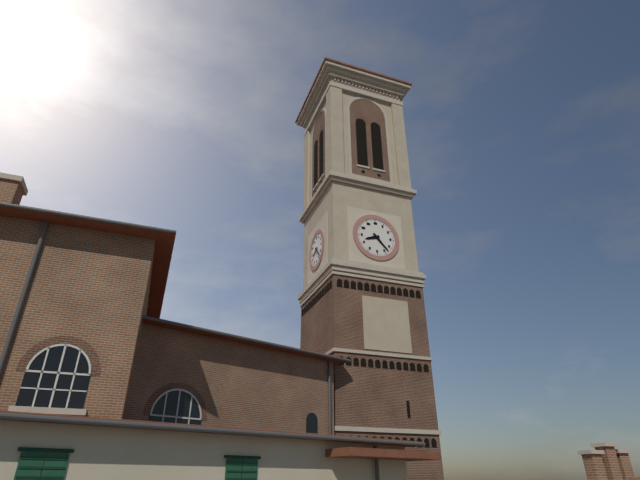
8:23
